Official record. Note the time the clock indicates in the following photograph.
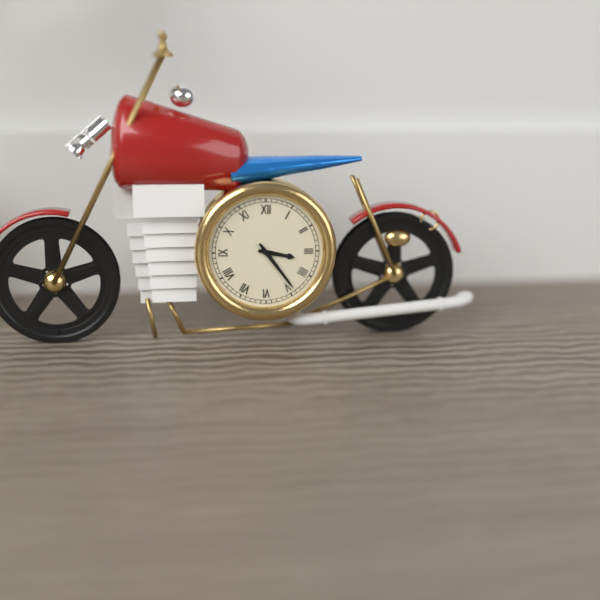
3:24
